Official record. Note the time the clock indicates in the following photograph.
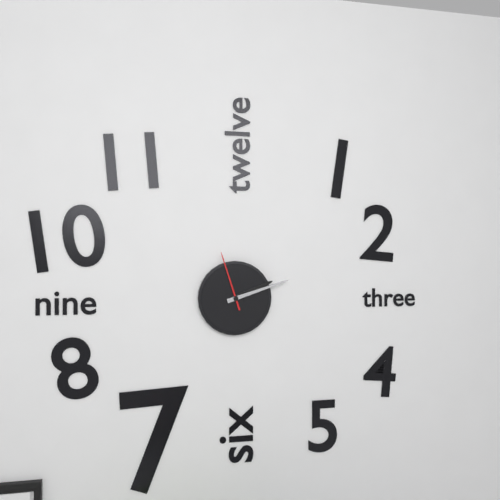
2:12:57
